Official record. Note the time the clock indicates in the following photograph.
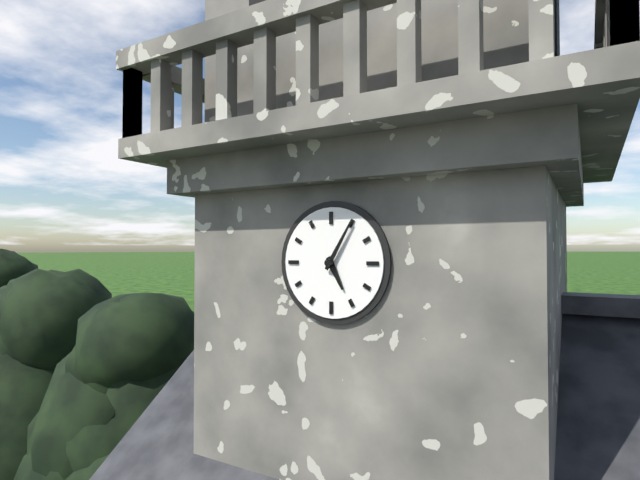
5:05
